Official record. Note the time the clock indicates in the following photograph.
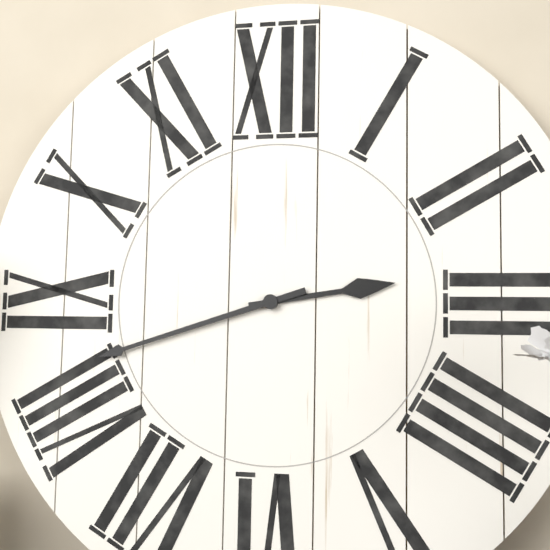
2:42
